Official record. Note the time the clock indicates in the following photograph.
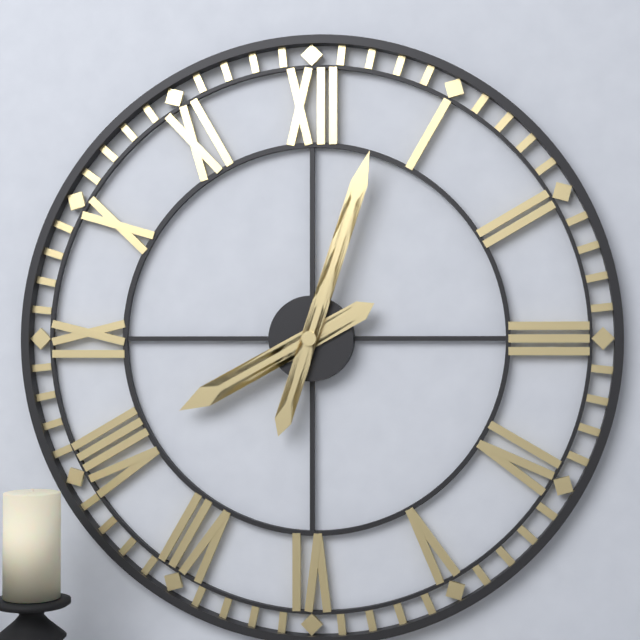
8:03
